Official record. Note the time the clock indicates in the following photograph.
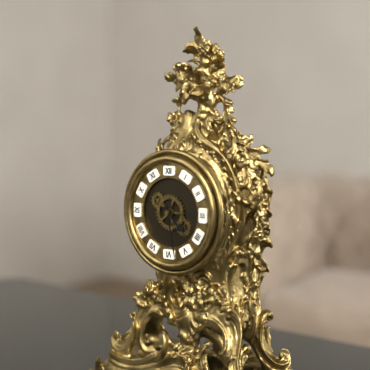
4:28
